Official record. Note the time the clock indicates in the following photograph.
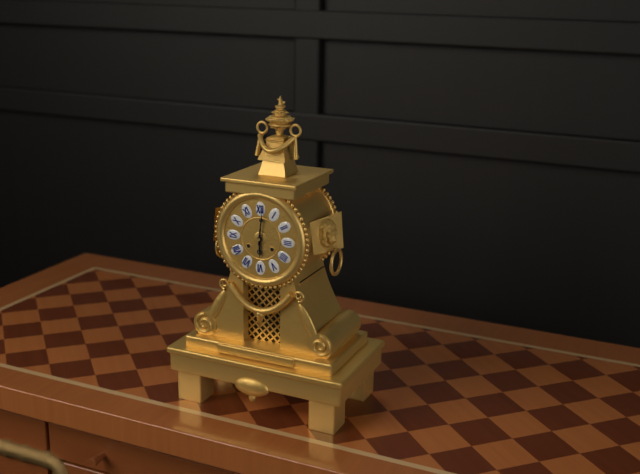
6:01
